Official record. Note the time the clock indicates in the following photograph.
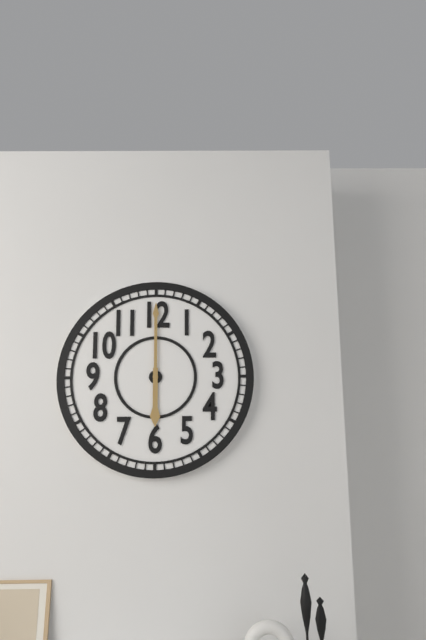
6:00
